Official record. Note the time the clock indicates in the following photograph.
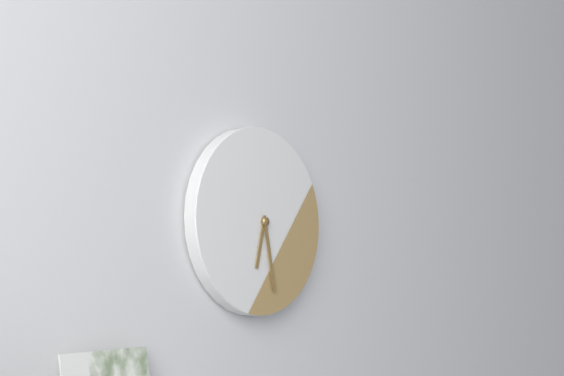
6:28
